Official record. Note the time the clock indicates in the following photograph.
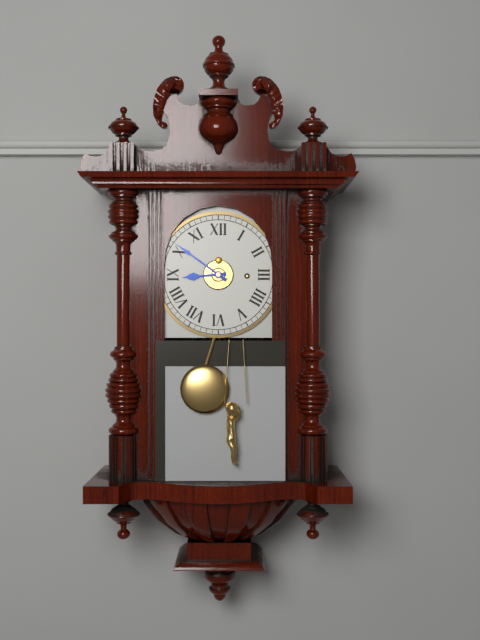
8:51
